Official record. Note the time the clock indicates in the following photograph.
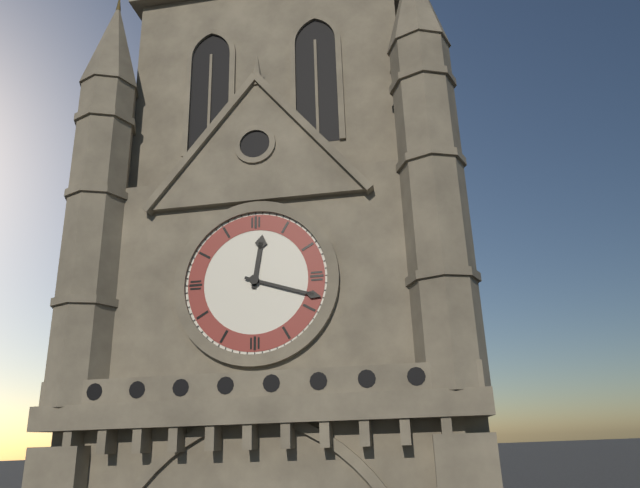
12:18
